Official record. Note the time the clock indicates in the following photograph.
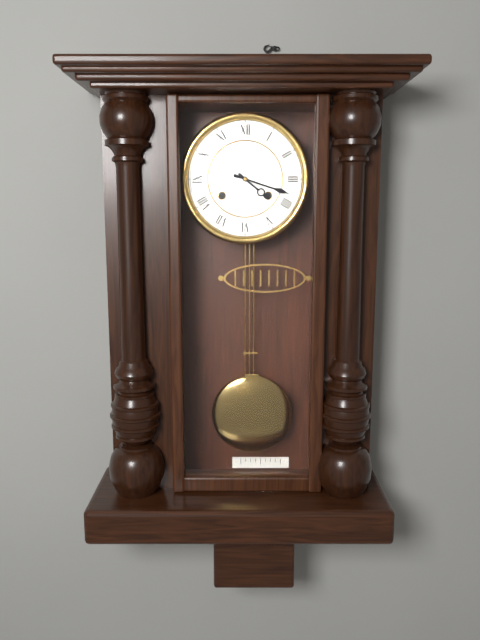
4:18
